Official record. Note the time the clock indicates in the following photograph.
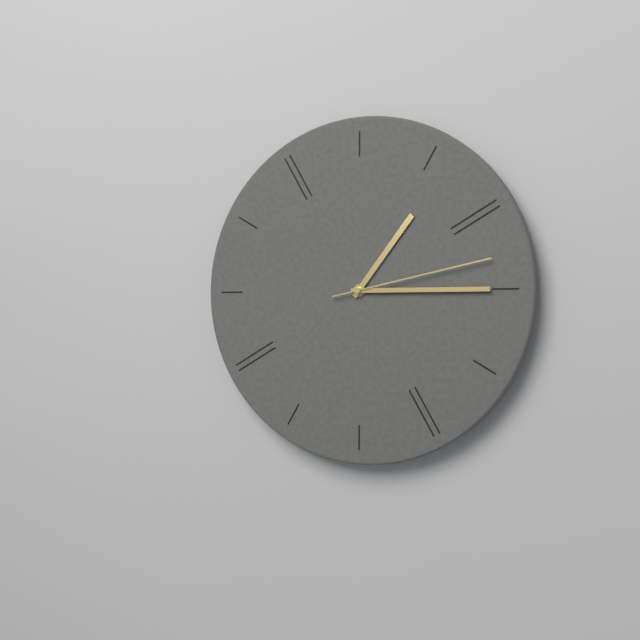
1:15:13
